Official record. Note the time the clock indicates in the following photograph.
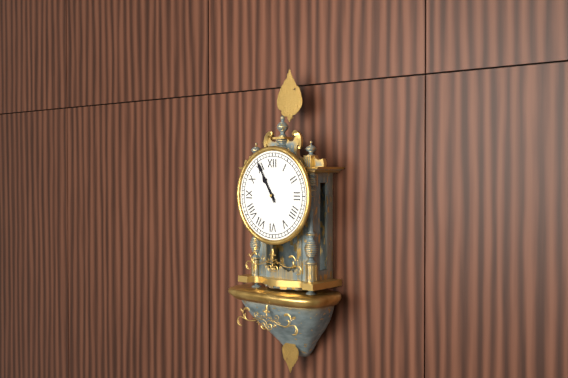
10:55
